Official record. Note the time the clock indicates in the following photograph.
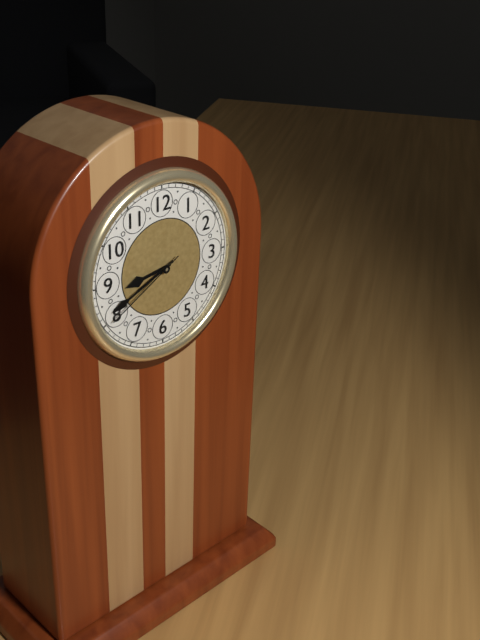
8:41:40
